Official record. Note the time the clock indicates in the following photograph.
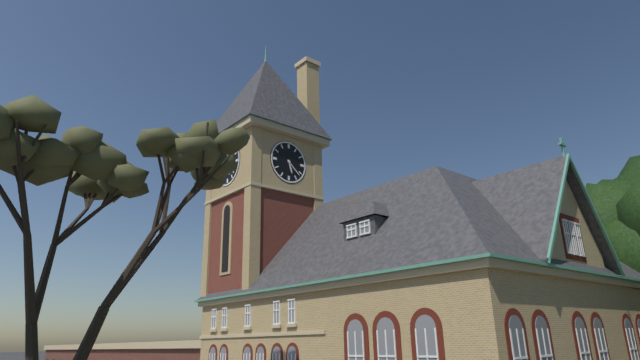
5:22
